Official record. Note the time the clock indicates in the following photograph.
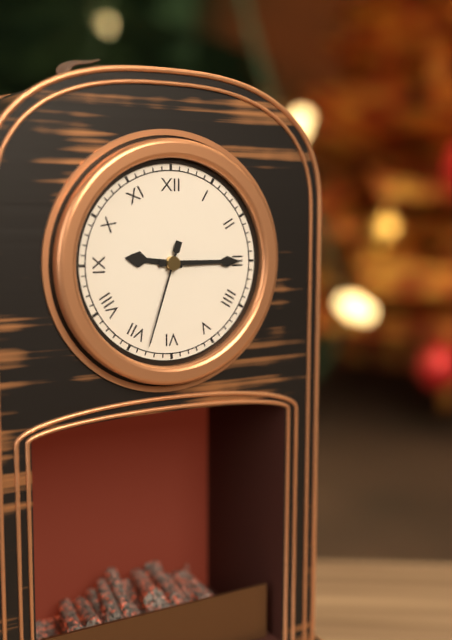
9:15:33
